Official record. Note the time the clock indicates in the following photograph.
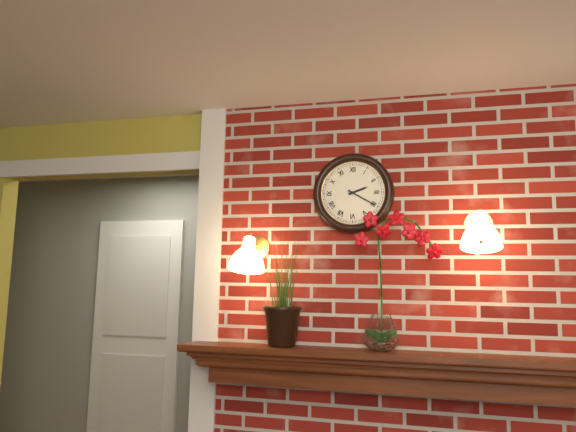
2:20
